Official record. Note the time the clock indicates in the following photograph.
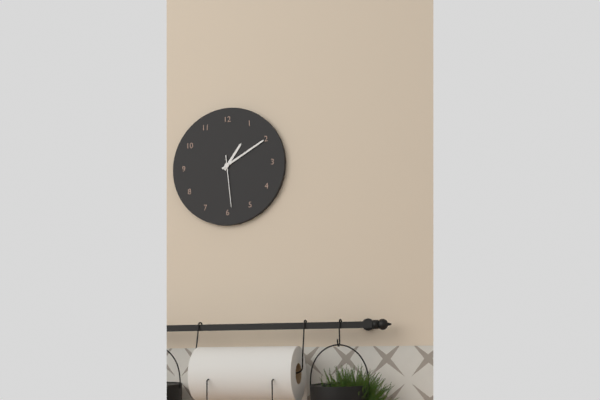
1:10:29
